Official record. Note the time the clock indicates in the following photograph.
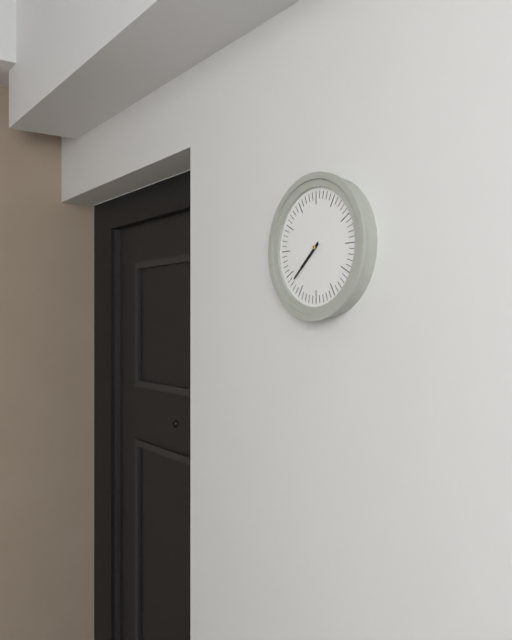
7:38
